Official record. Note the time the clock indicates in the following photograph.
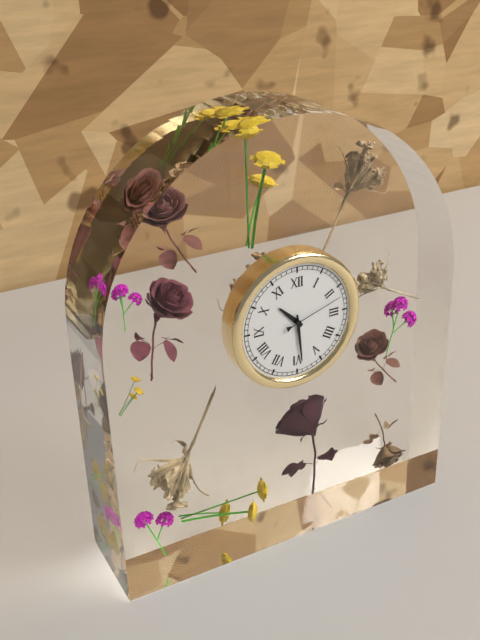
10:29:12
